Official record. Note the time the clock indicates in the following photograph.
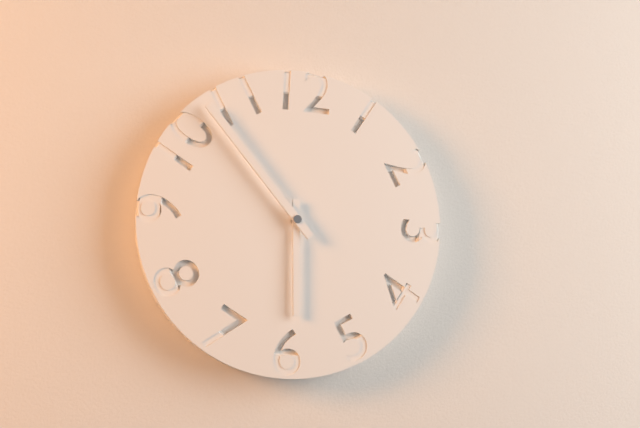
5:53
